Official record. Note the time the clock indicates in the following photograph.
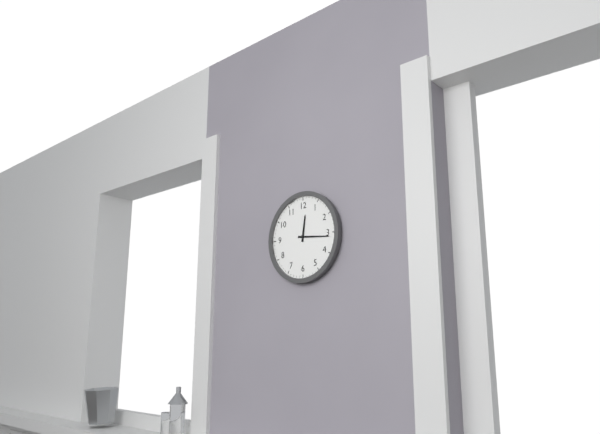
12:16
